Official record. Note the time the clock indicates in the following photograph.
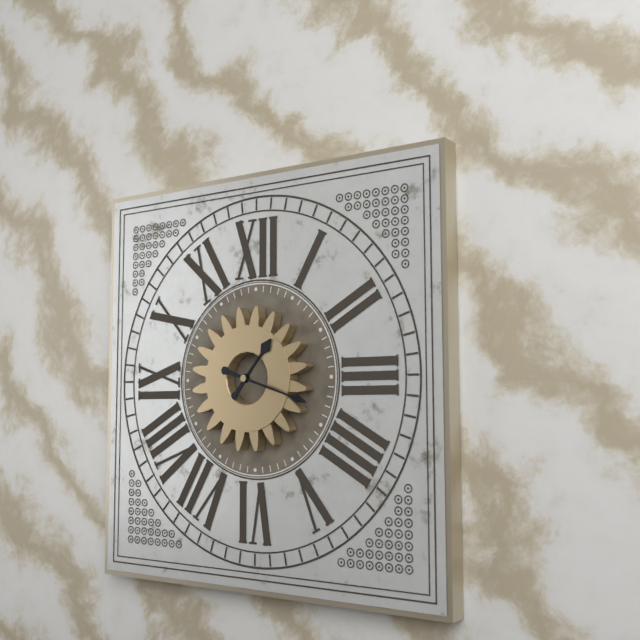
1:18
